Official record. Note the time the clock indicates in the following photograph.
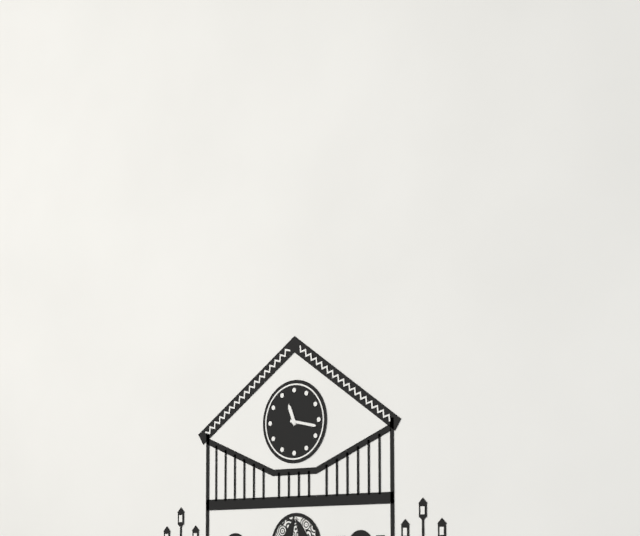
11:17
